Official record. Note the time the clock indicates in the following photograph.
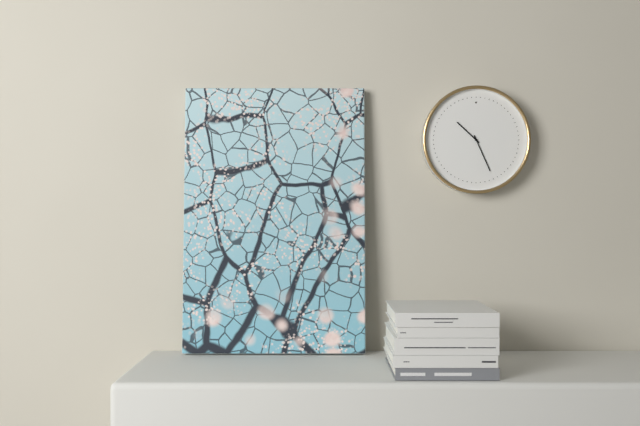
10:26
